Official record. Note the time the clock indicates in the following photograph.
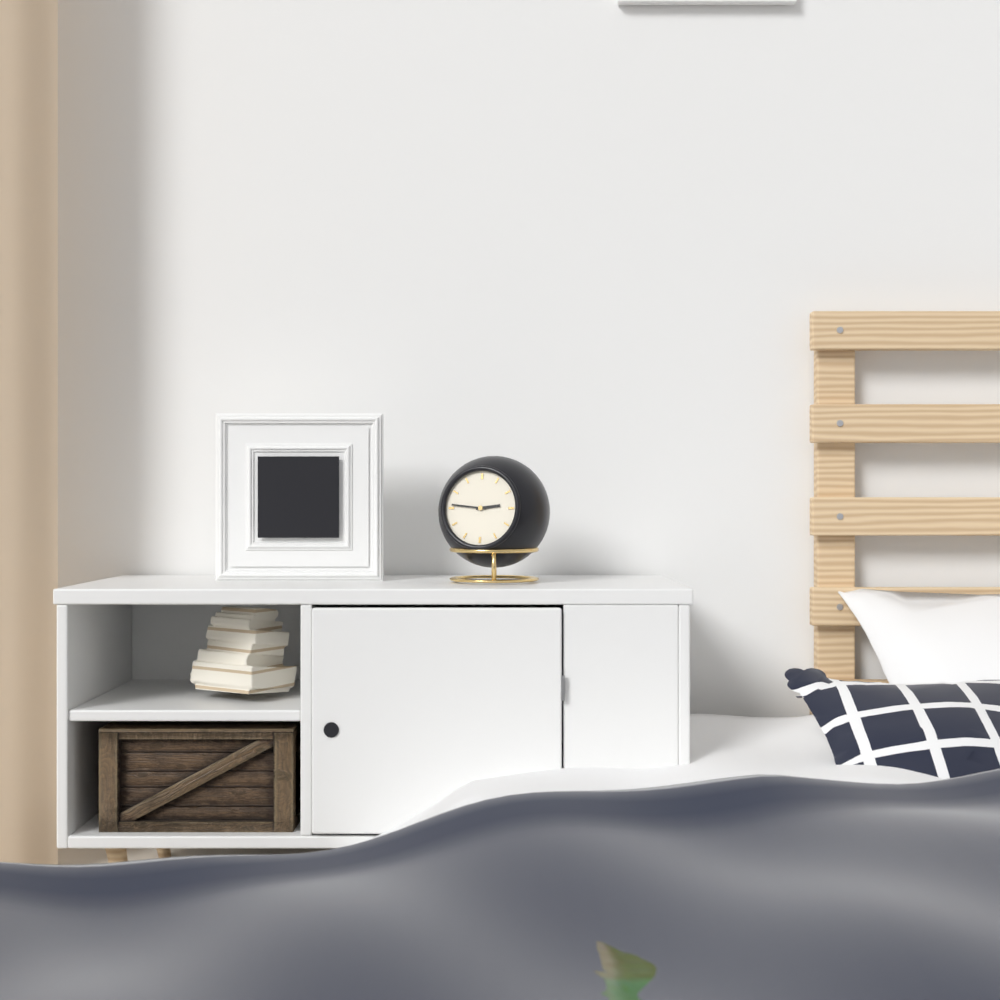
2:46
